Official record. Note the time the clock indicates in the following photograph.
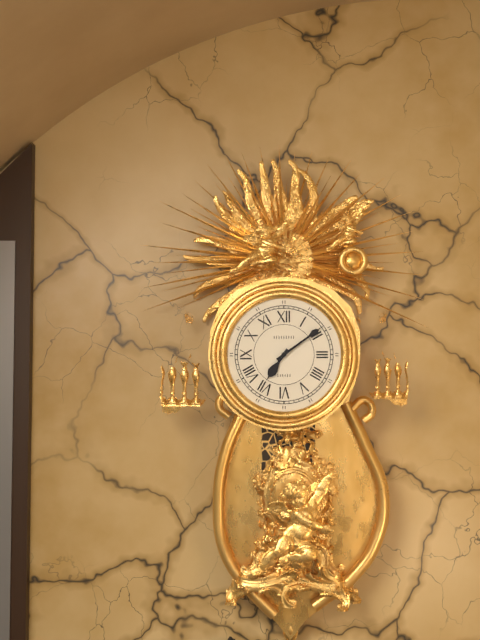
7:09
